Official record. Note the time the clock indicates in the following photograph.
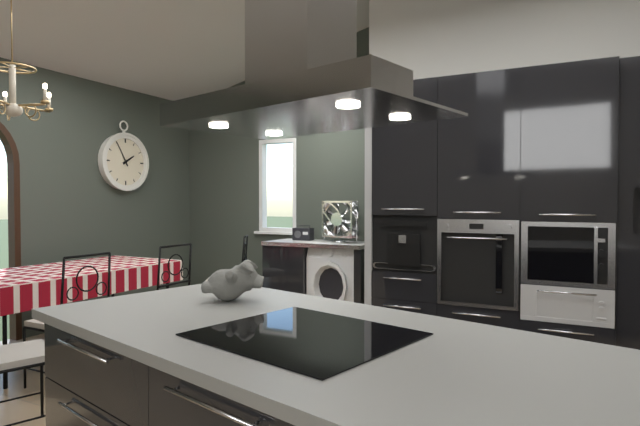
1:55
